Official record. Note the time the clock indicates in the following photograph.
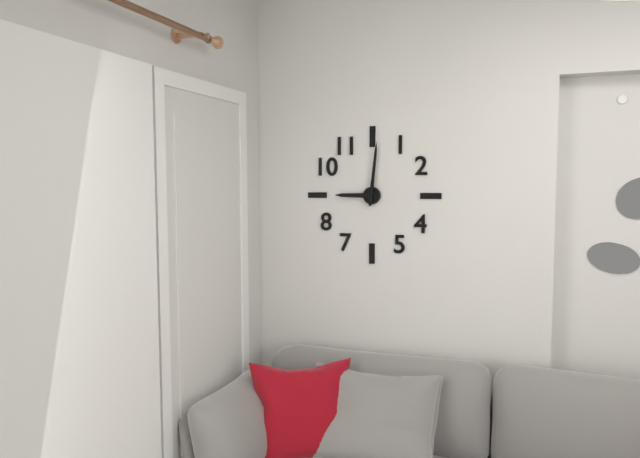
9:01
